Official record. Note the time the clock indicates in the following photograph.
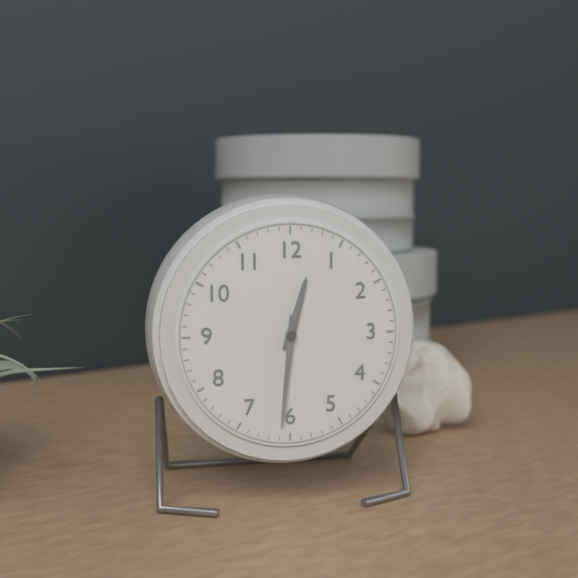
12:31
